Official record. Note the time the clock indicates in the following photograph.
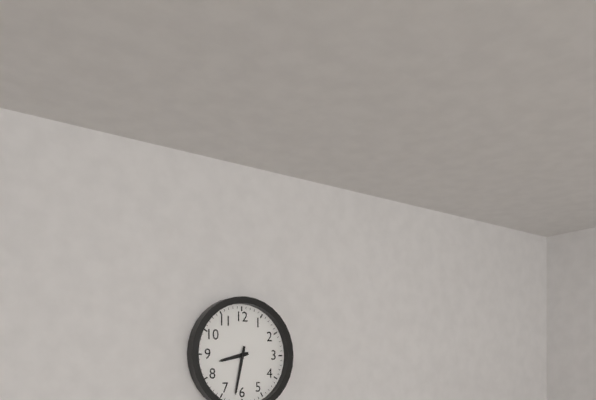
8:32
